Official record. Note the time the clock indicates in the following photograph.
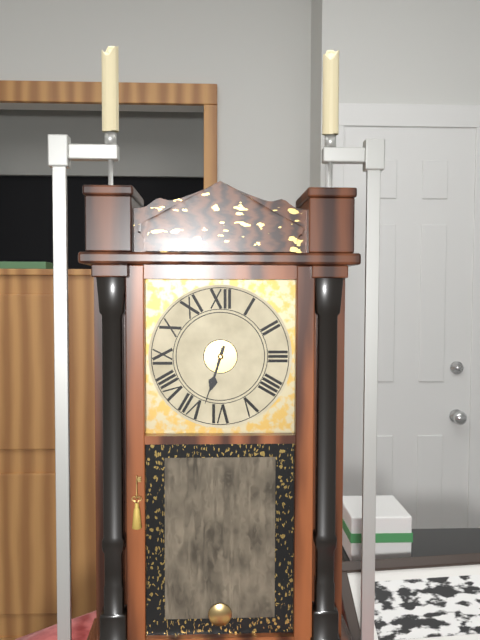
6:33
